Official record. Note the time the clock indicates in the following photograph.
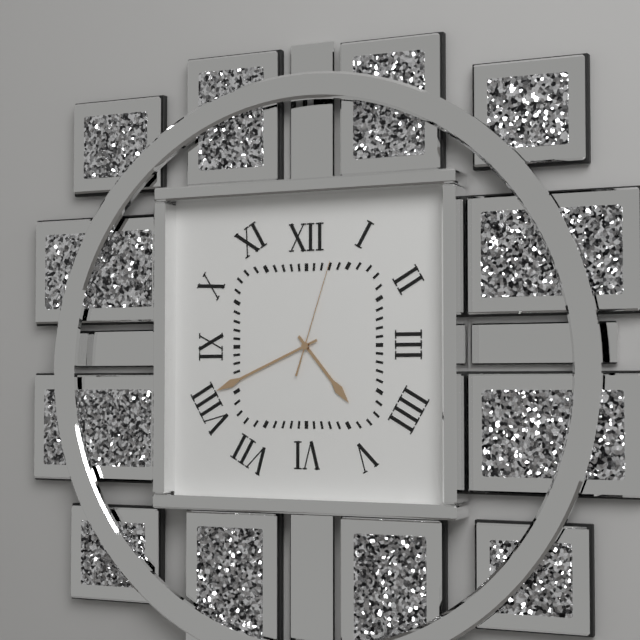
4:41:03
